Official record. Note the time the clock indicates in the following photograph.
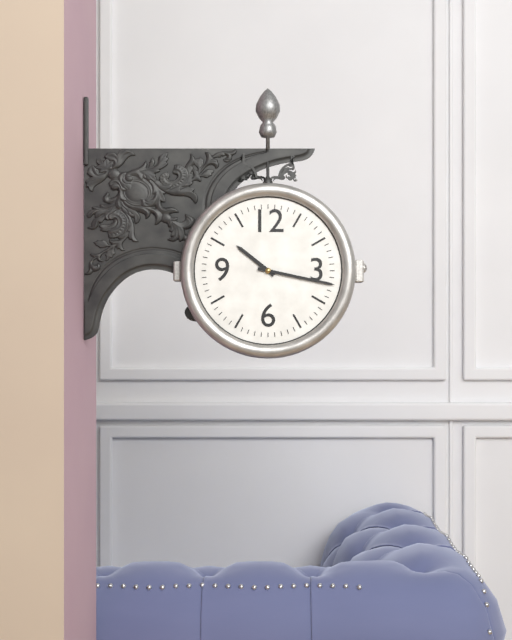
10:17
